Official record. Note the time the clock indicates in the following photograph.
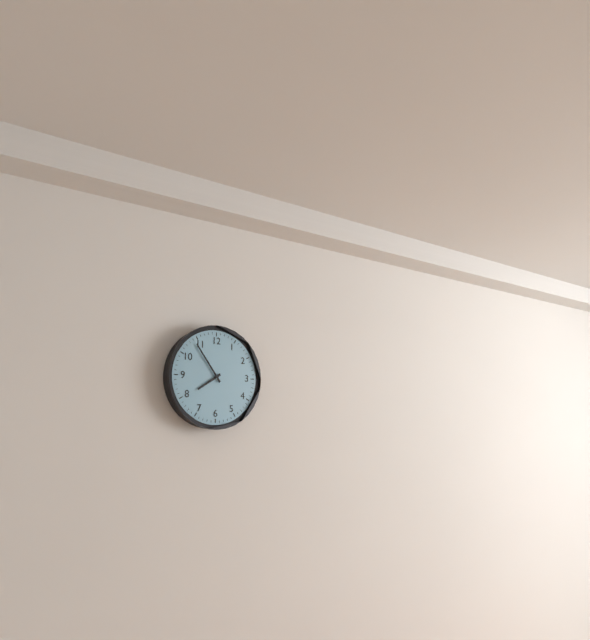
7:54
